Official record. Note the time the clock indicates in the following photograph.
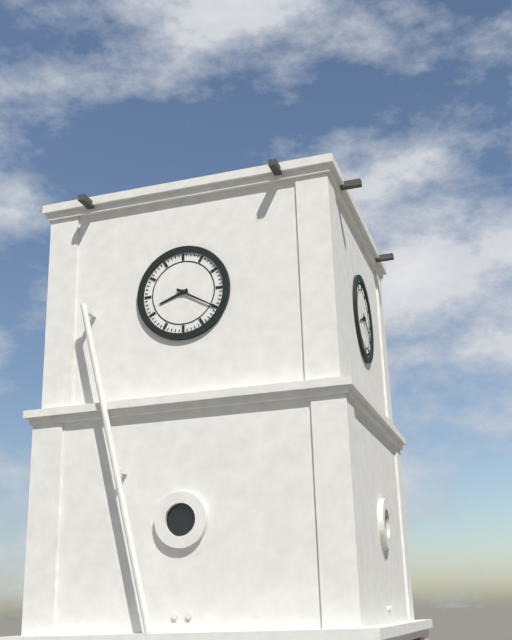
8:20
